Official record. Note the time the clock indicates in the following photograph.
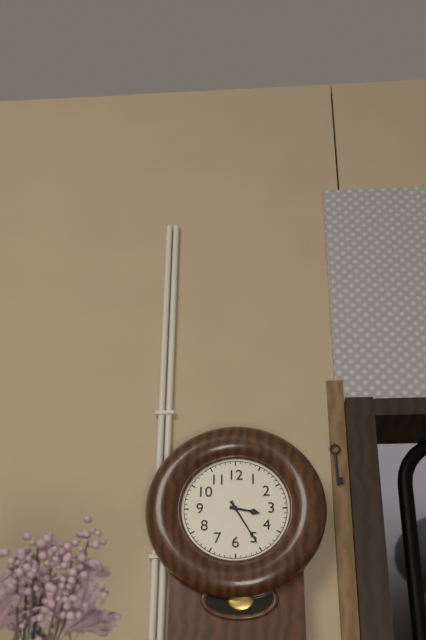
3:25
